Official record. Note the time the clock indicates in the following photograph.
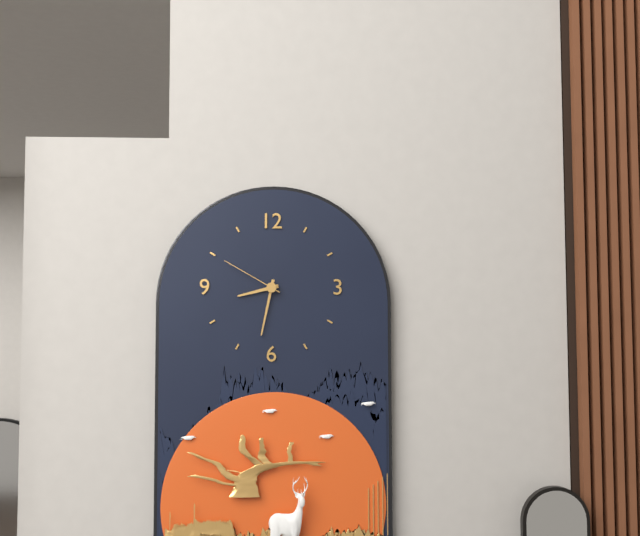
8:32:50
